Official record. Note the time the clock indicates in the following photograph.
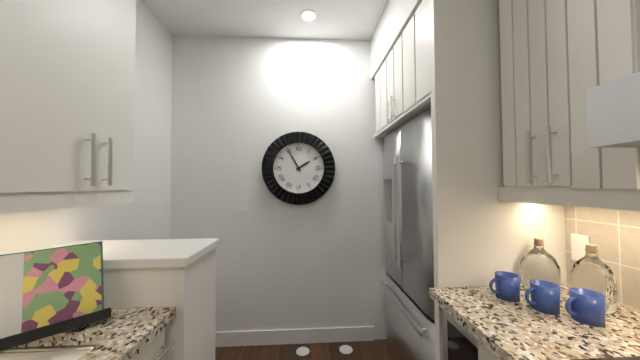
1:55
